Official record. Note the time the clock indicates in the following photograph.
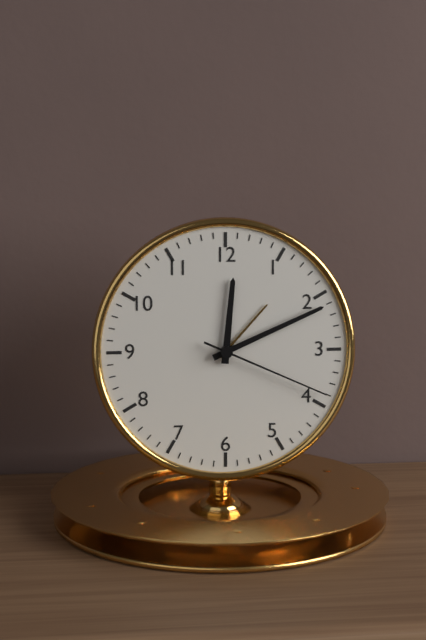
12:11:19
